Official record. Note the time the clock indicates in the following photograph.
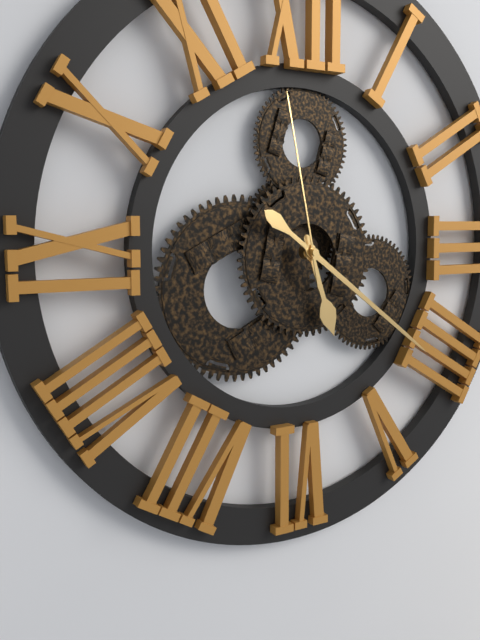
5:21:58
